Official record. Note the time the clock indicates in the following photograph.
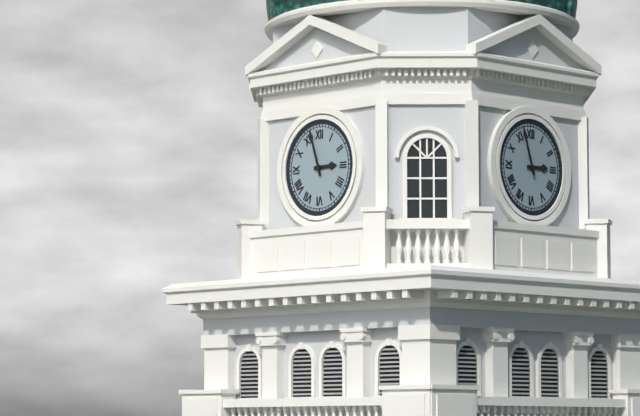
2:57
